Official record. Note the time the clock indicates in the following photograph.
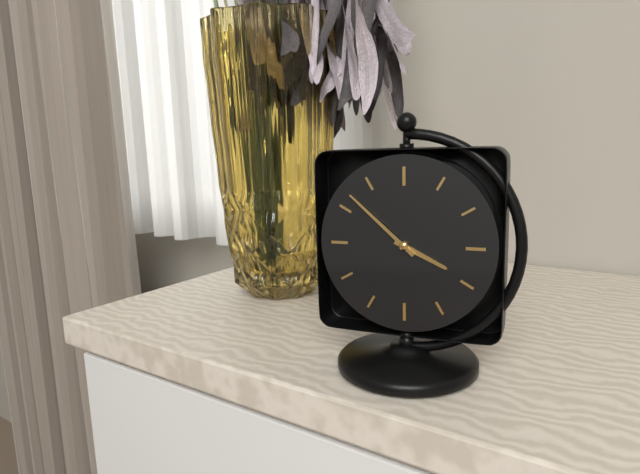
3:52
